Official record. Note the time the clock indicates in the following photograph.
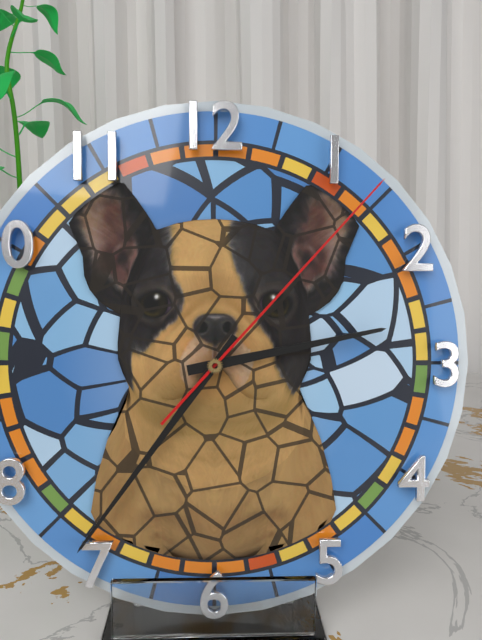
2:36:07
